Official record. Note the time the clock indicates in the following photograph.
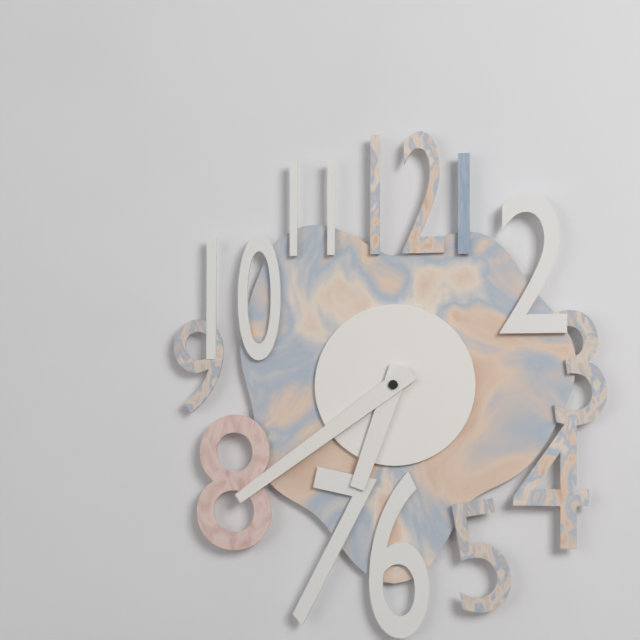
6:39
